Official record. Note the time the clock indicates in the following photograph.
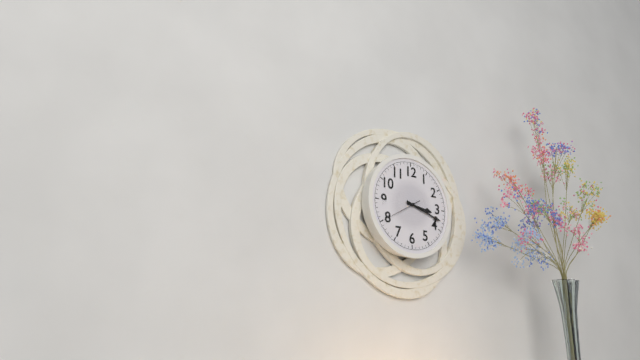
3:18
